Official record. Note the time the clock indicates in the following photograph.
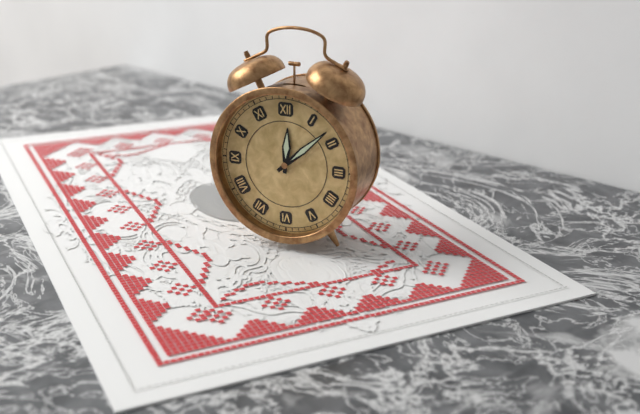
12:08
